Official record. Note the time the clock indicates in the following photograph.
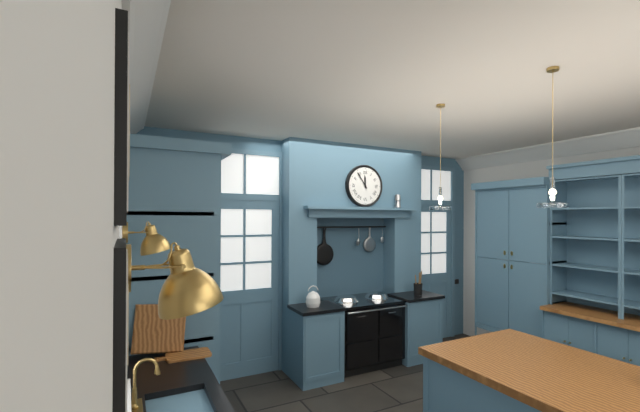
11:54
